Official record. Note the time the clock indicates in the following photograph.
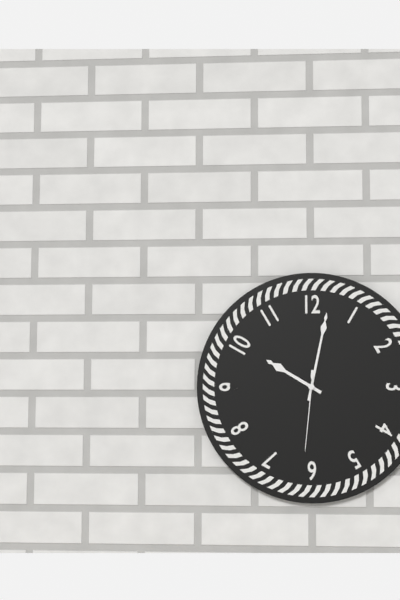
10:02:31
